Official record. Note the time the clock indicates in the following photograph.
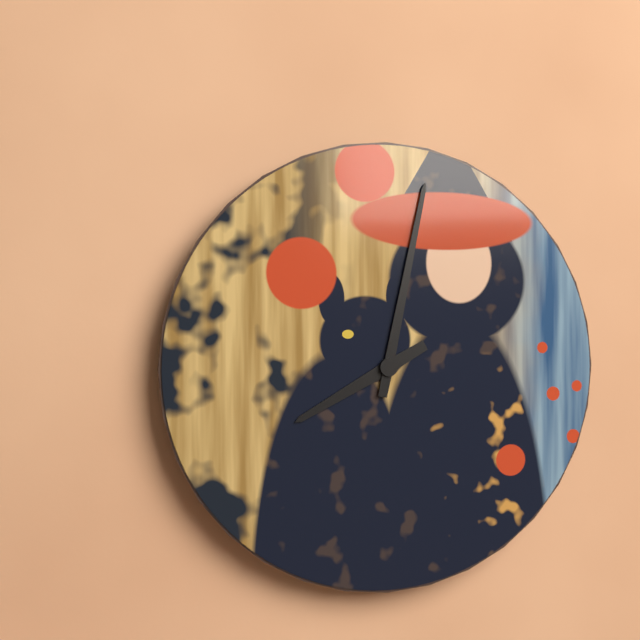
8:02
